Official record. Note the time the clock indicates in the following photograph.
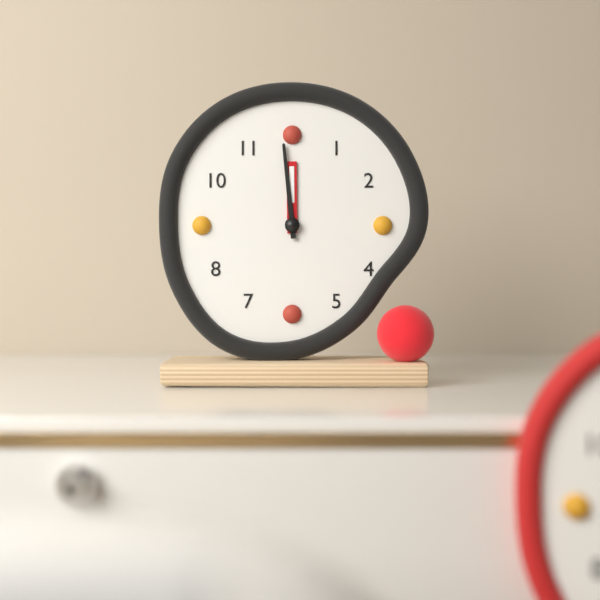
11:59
